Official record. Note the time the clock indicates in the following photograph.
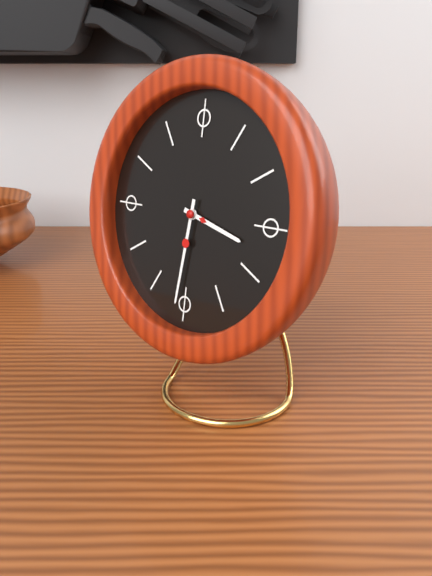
3:31
